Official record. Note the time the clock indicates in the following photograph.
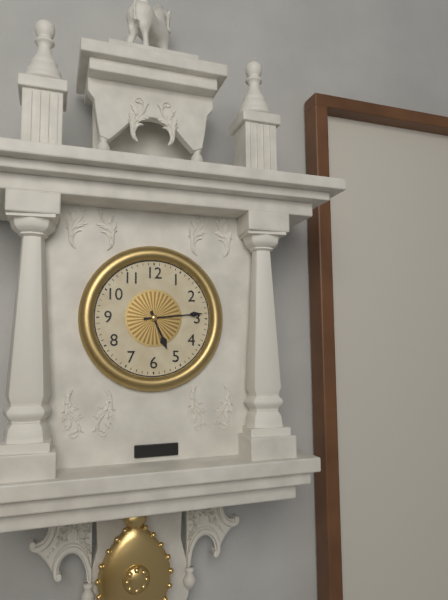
5:14
